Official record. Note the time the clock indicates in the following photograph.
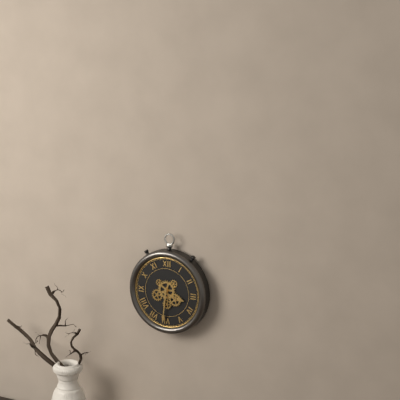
3:31
